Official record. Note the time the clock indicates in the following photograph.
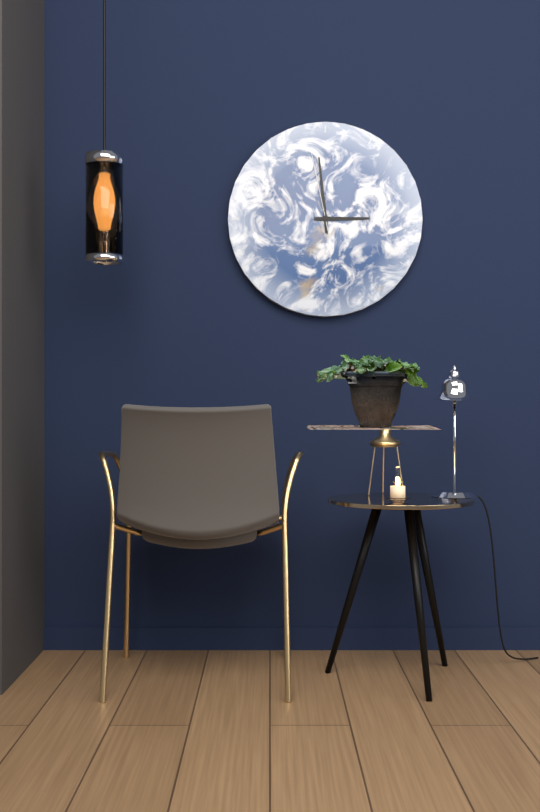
2:59:58
